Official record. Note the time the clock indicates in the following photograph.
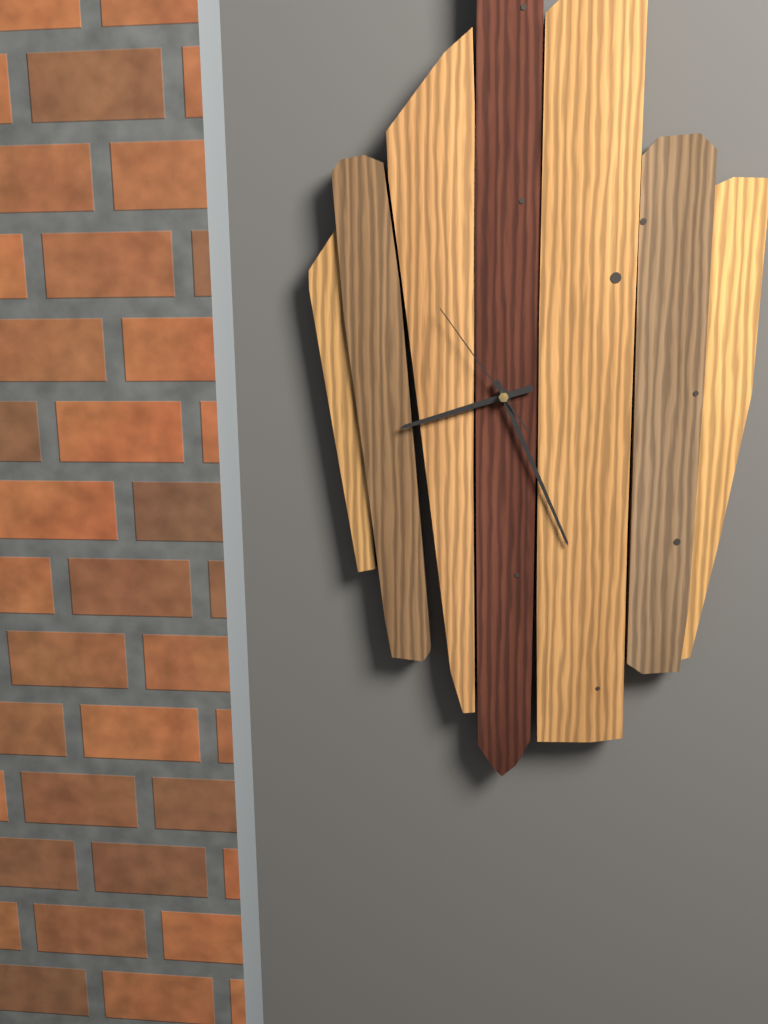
8:26:54
